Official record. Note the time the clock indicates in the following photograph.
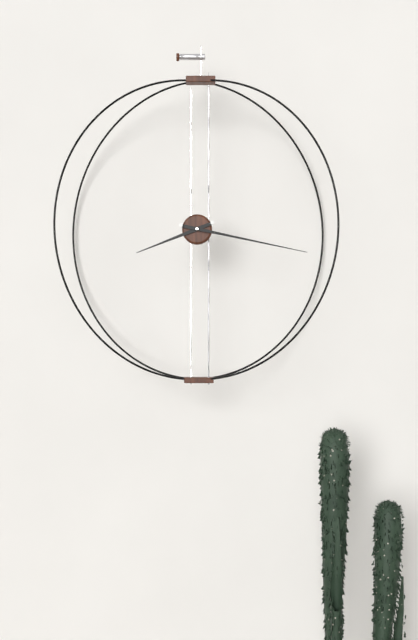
8:17
